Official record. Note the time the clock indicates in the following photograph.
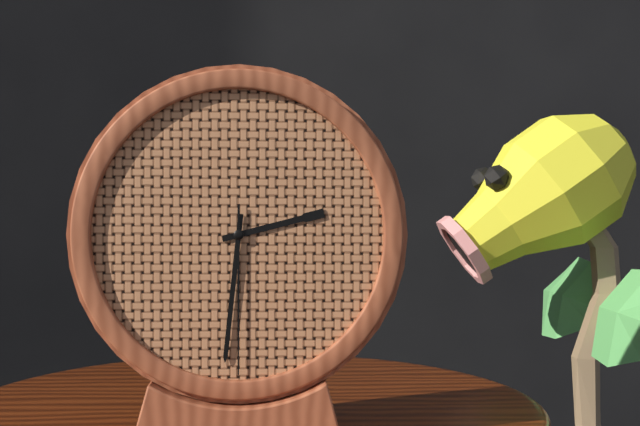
2:31:30
